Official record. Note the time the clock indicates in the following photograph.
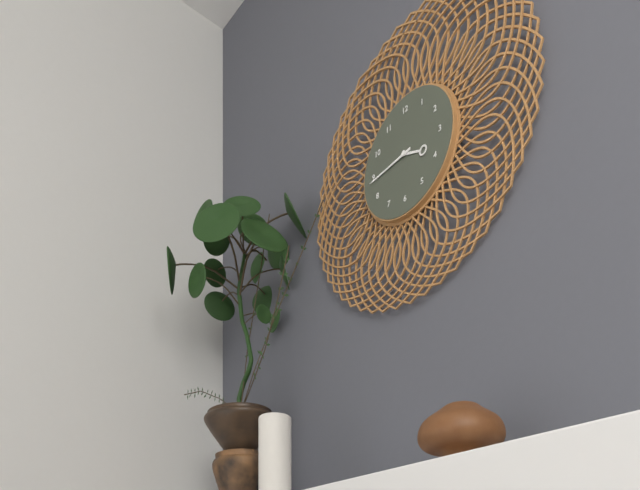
3:44
